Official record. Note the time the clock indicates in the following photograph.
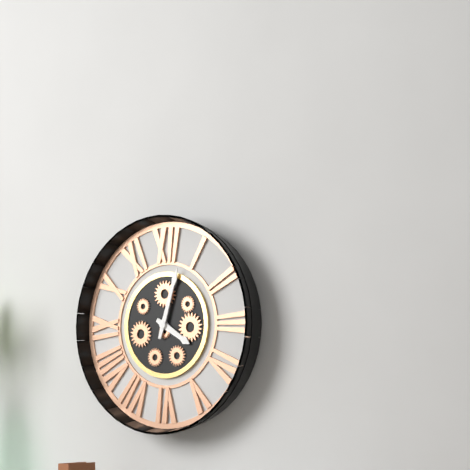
4:03
